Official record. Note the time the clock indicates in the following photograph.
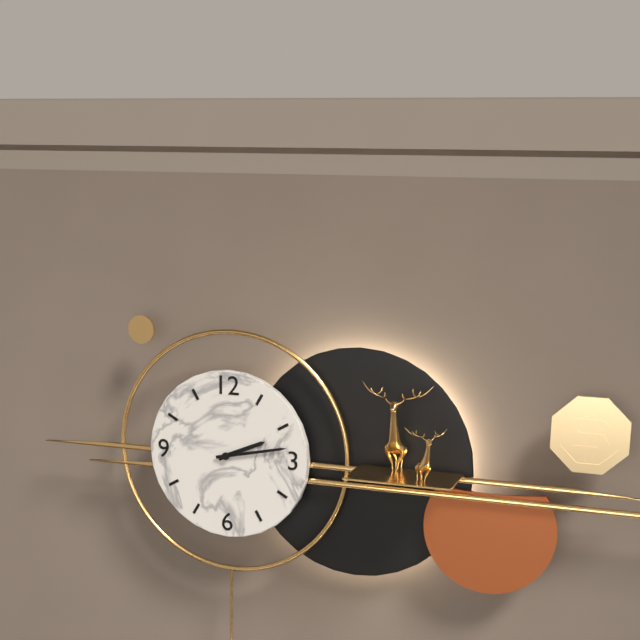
2:13
